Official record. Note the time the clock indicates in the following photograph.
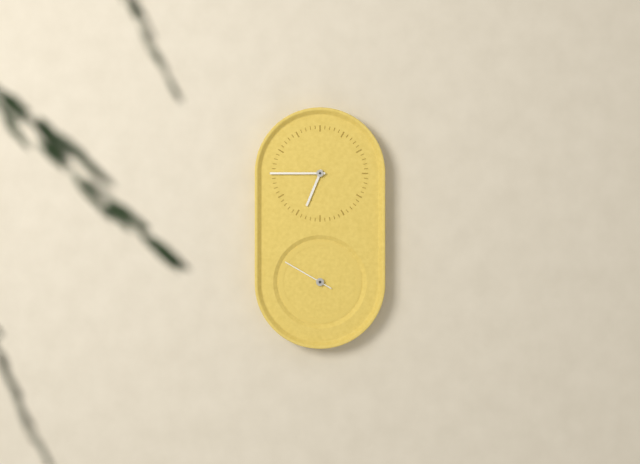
6:45:50
